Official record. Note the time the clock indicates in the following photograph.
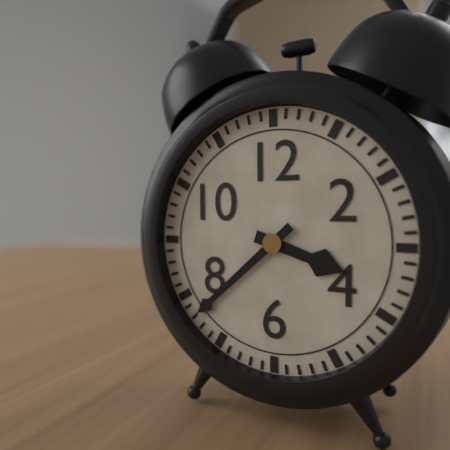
3:38
